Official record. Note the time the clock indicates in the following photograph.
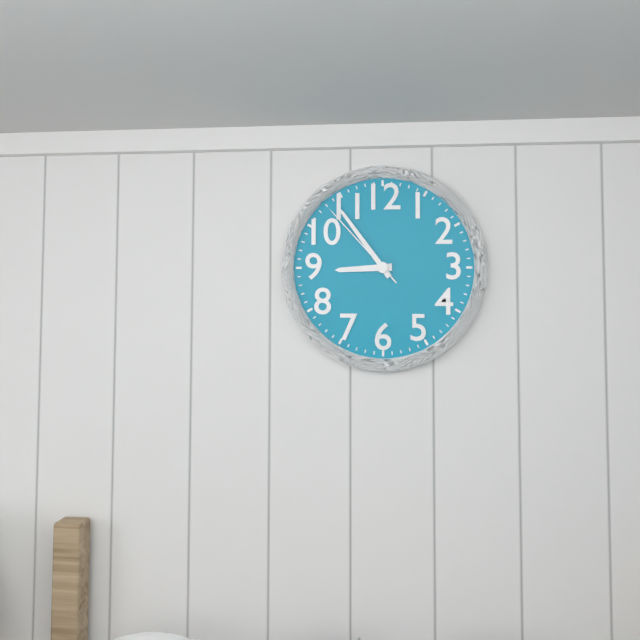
8:54:53
